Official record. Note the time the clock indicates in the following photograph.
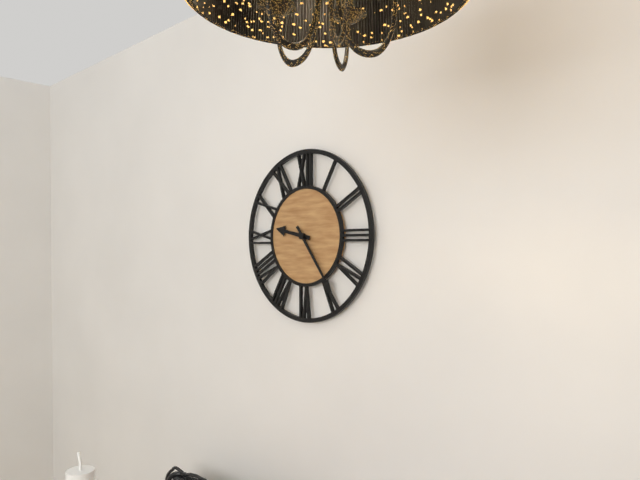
9:24
